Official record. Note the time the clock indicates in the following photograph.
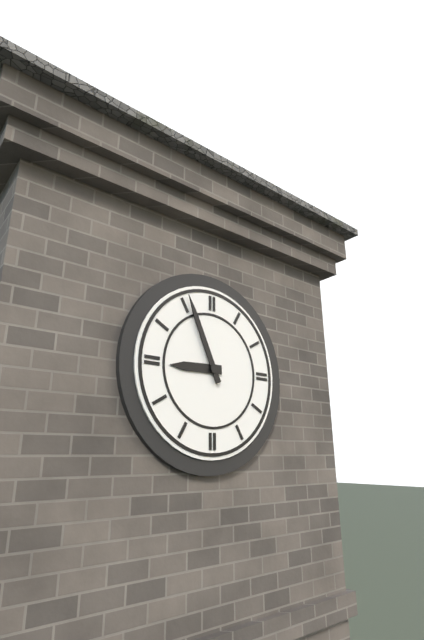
8:56
